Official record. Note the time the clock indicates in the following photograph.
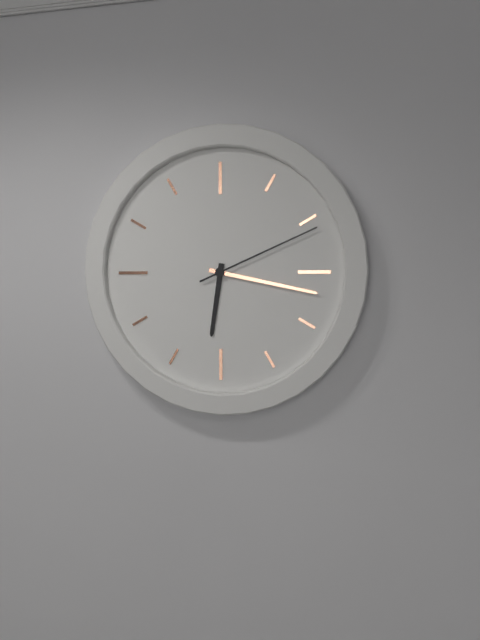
6:17:11
